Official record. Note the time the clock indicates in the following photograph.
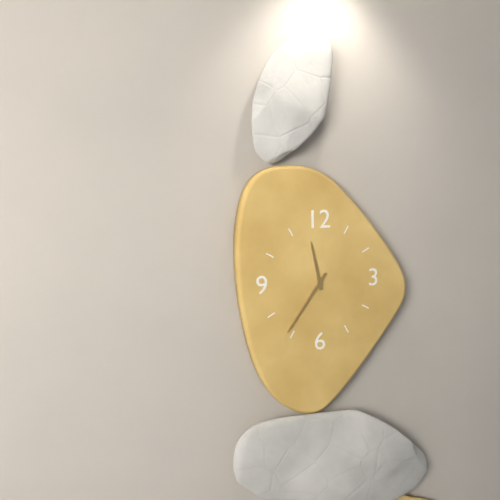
11:36
